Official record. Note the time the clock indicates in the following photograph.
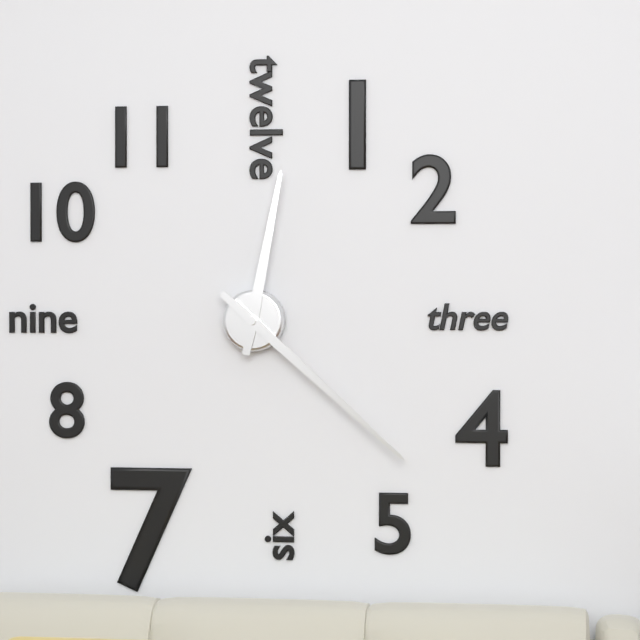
12:22
